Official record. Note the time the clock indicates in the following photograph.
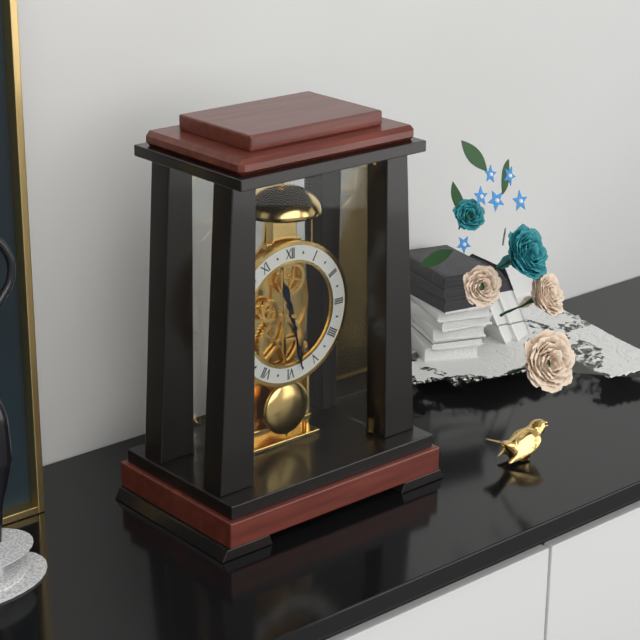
11:28
